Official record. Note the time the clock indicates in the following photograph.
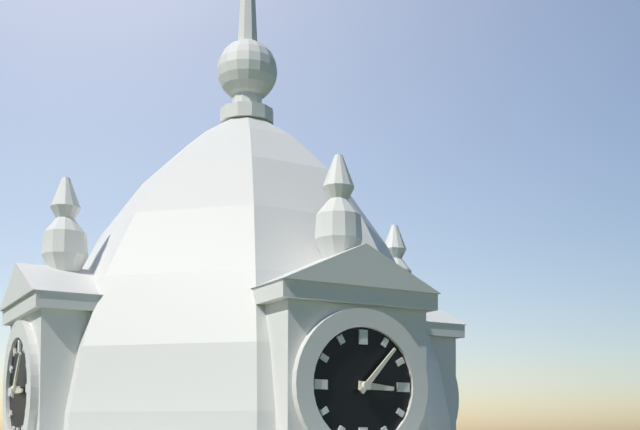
3:07
